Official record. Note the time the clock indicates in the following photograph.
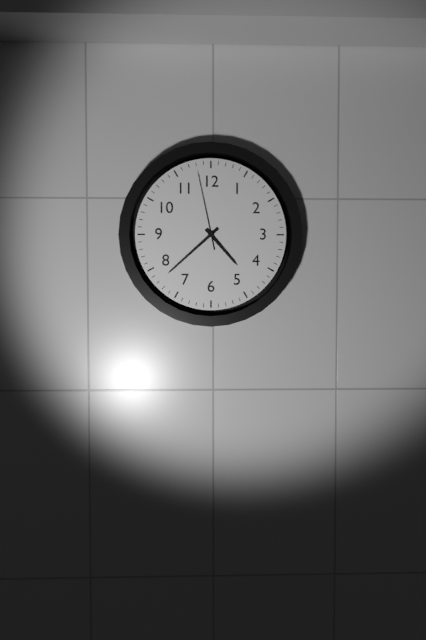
4:38:58
